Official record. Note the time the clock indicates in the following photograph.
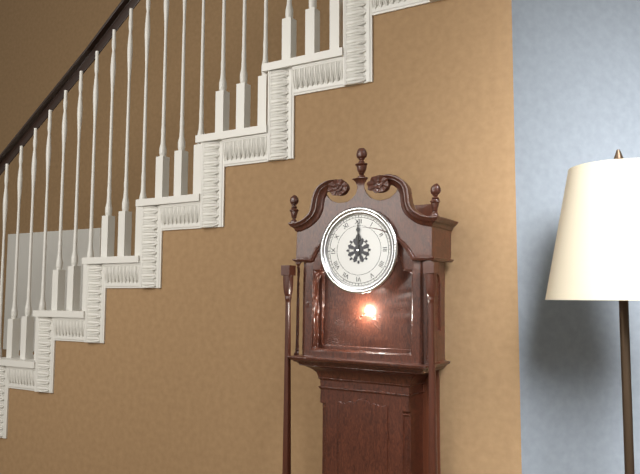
12:00
